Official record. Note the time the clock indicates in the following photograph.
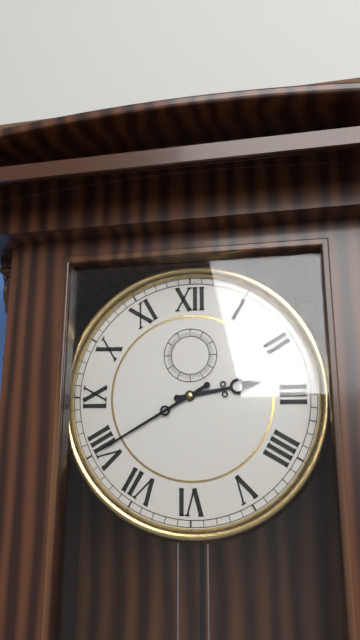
2:40
